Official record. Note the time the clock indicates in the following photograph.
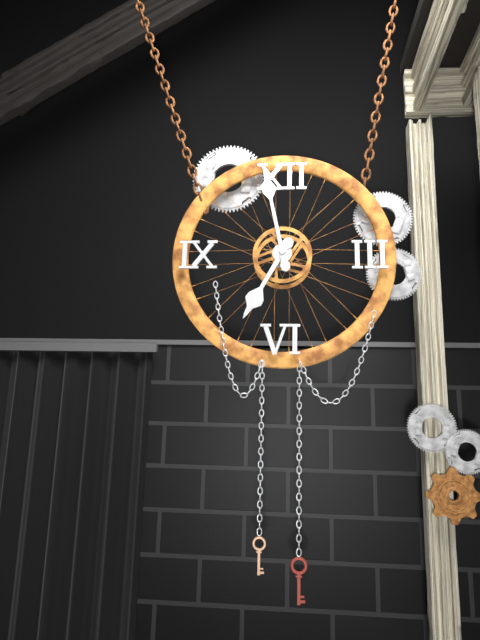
6:58
